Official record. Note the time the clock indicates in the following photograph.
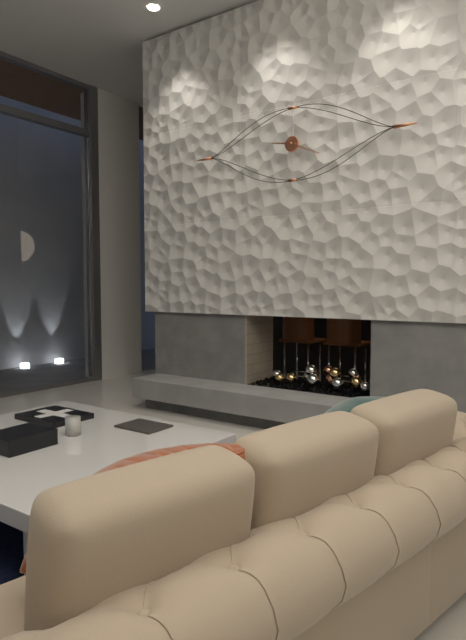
9:19
